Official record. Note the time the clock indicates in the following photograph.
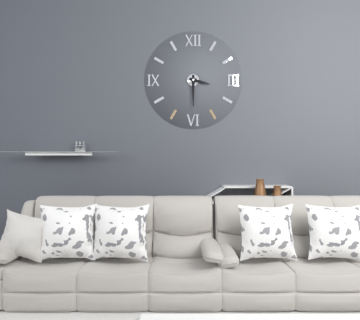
3:30
